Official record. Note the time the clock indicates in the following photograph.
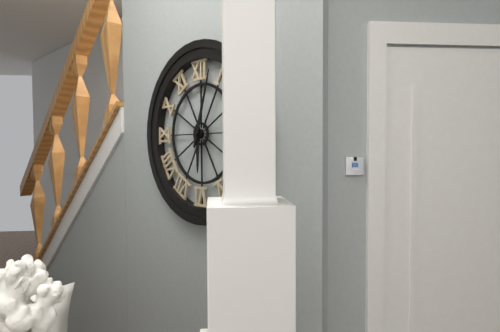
6:03
